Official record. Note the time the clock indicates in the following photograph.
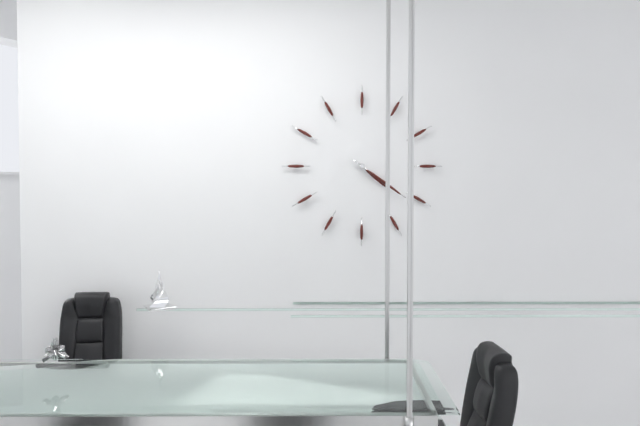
4:21
